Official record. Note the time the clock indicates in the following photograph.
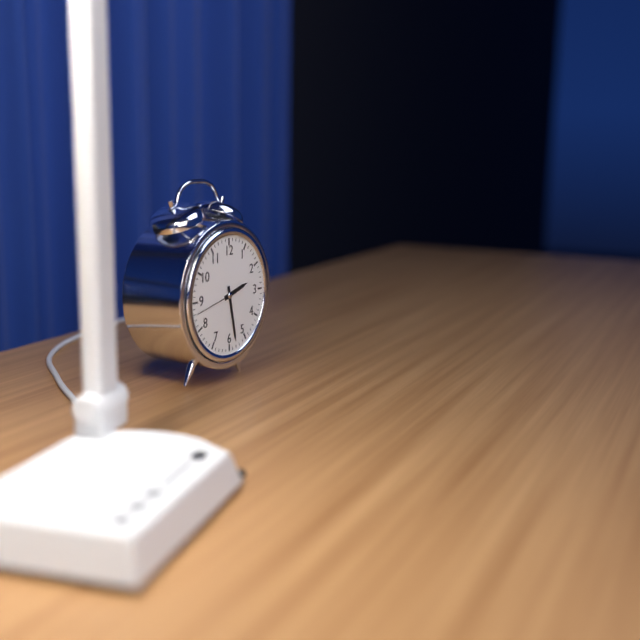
2:28
